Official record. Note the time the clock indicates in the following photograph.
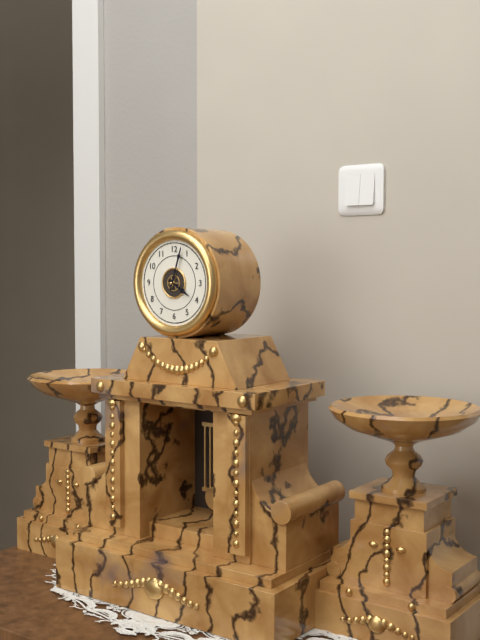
4:03
